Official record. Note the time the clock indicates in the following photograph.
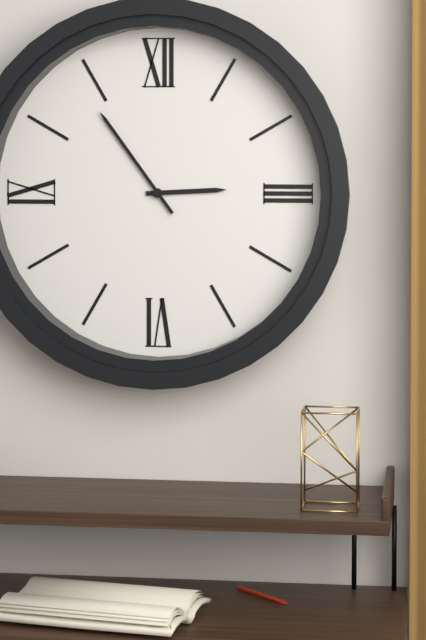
2:54
